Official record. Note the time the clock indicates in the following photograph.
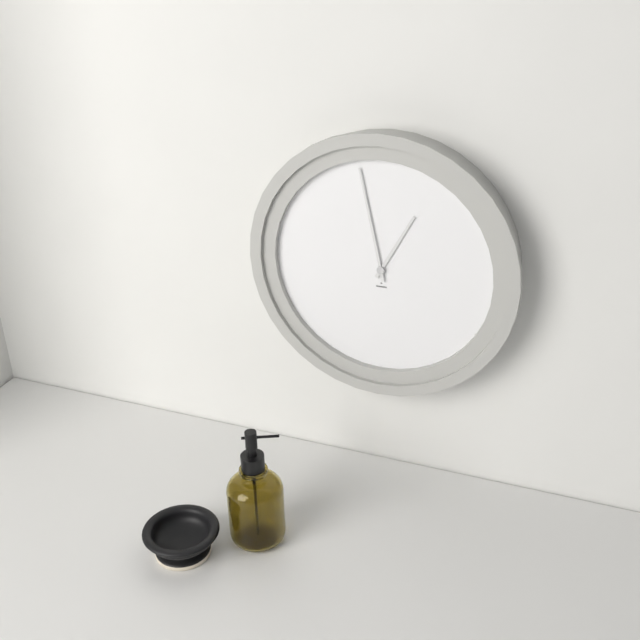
12:58
